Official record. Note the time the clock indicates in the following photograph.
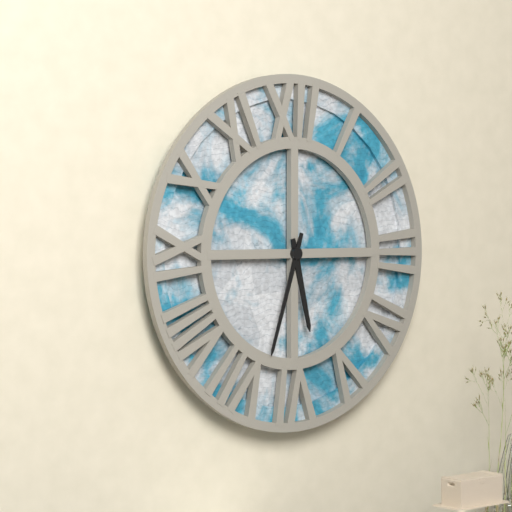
5:33
